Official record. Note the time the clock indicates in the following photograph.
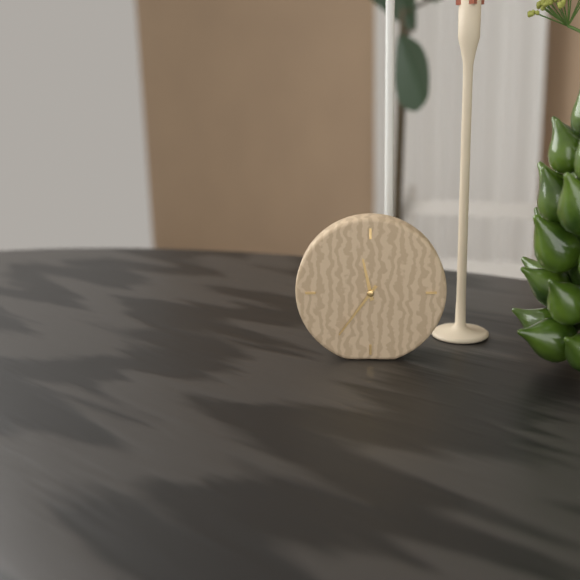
11:36
